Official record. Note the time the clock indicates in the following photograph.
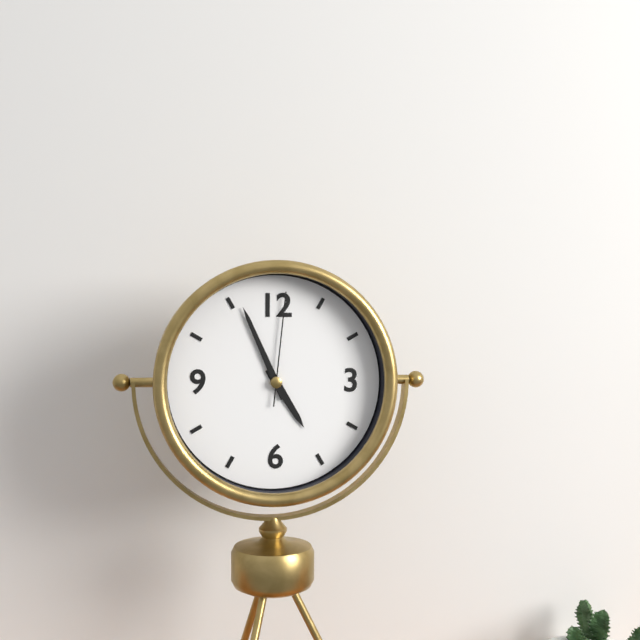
4:56:01
